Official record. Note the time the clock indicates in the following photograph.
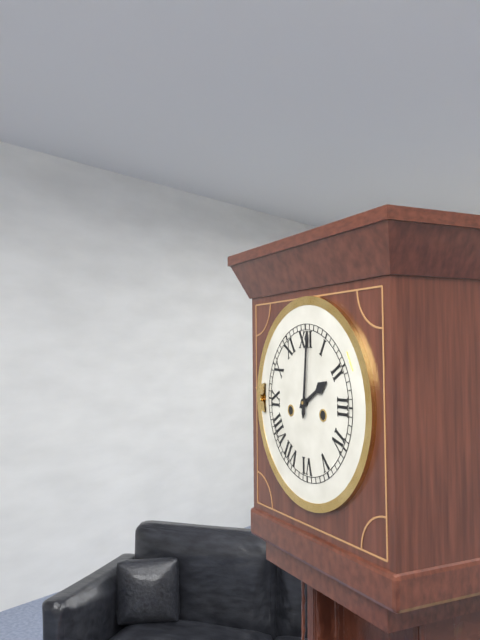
2:01
